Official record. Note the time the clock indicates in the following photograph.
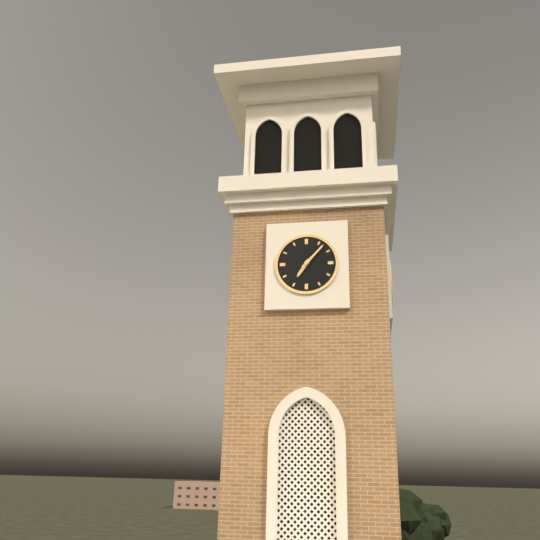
7:07
